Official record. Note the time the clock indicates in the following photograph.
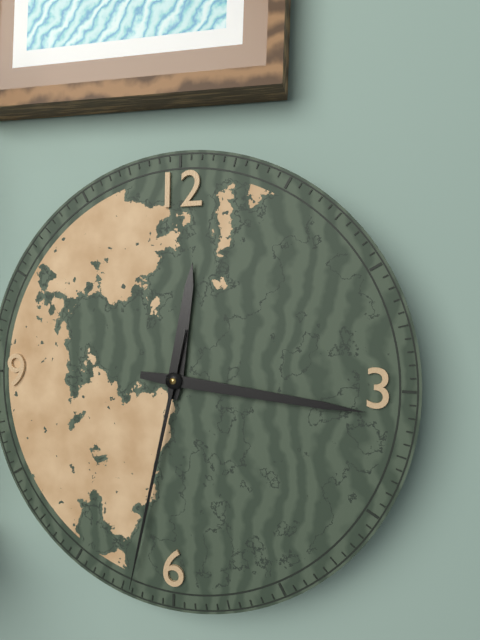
12:16:32
